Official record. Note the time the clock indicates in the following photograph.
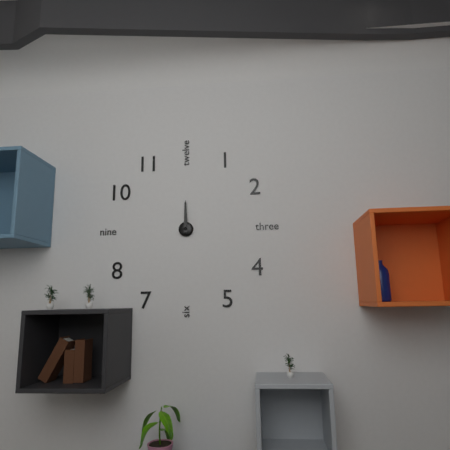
12:00
